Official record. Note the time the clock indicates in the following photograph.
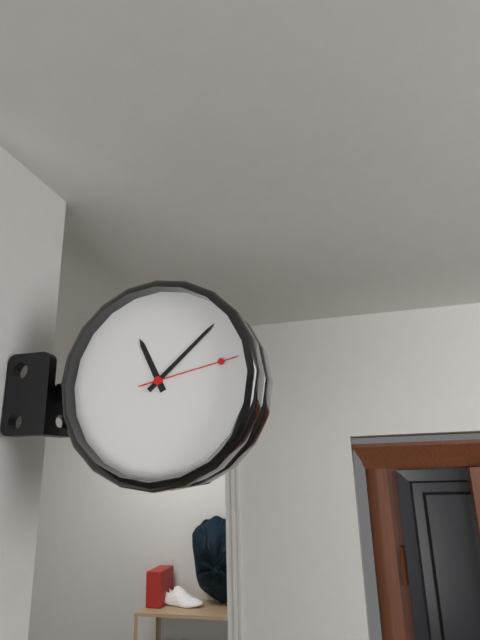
11:08:13
